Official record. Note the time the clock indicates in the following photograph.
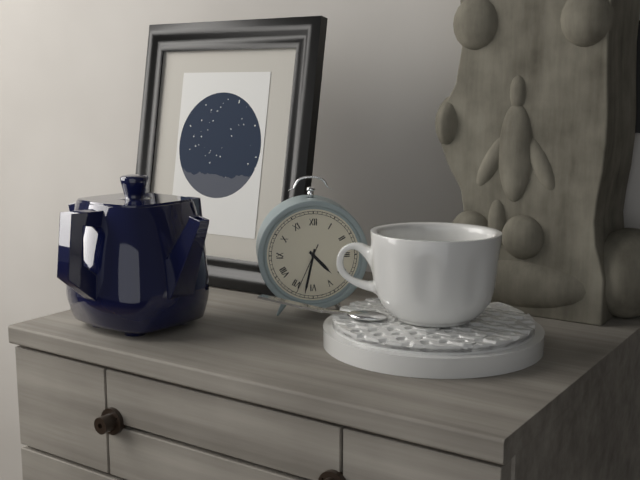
4:32:34
